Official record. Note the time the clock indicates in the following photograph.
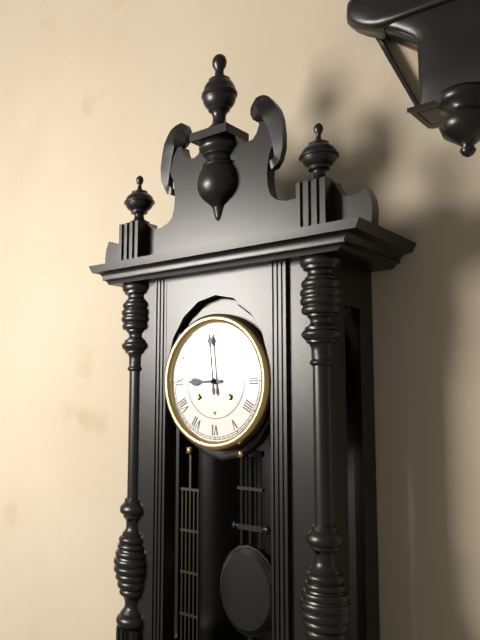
8:59
